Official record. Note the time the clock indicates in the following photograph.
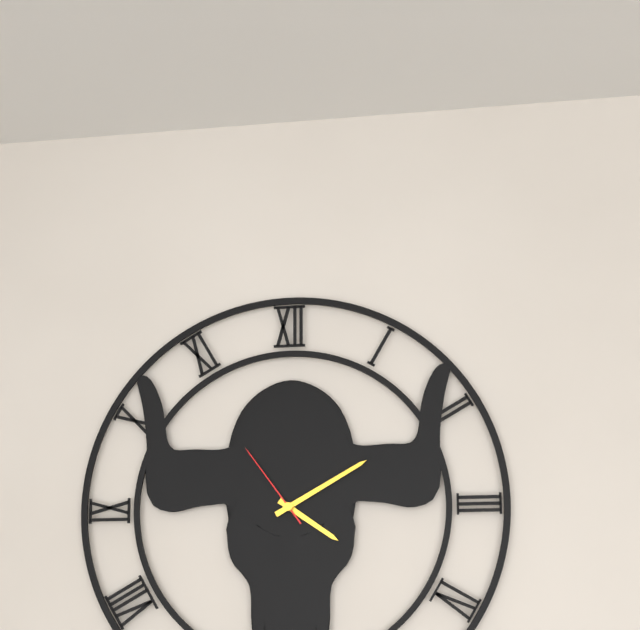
4:10:54
